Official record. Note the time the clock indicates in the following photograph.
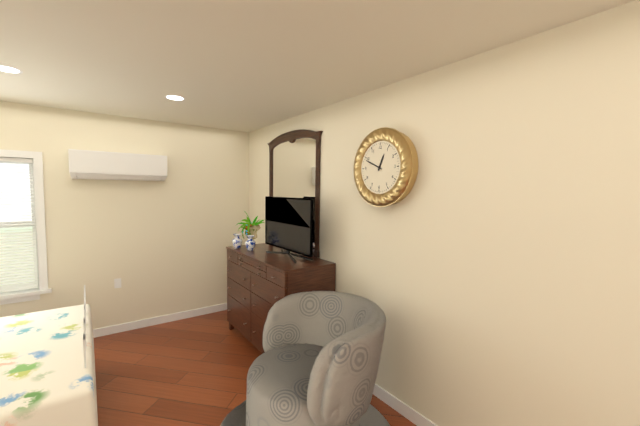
12:49
